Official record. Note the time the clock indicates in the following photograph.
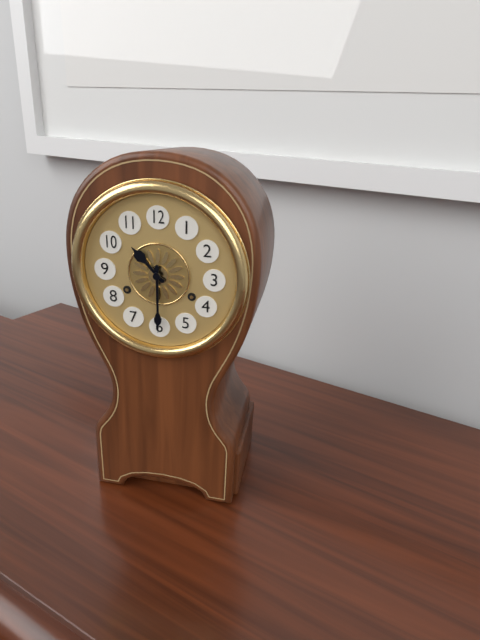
10:30
